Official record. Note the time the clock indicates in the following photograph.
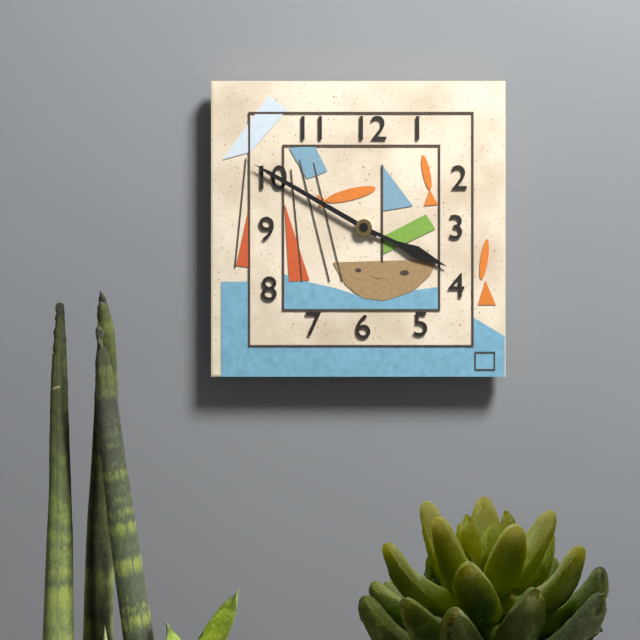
3:50
